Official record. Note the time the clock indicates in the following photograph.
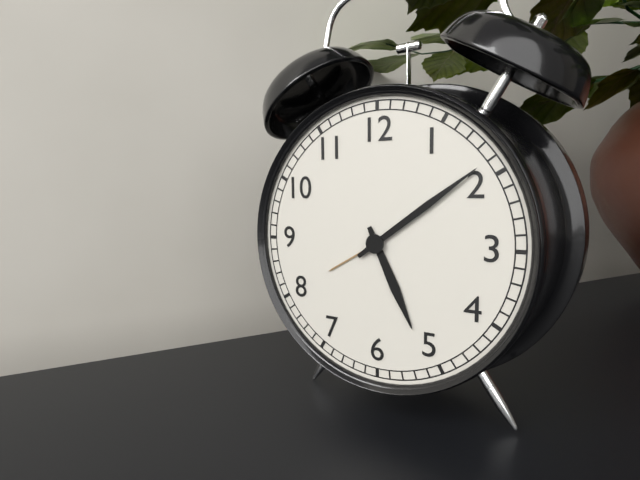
5:09
